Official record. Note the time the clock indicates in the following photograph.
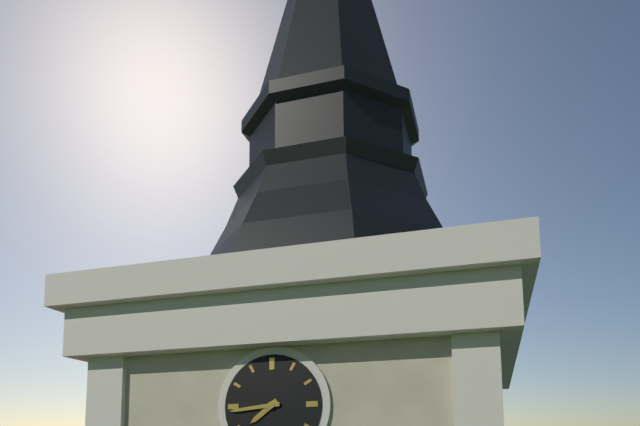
7:44
